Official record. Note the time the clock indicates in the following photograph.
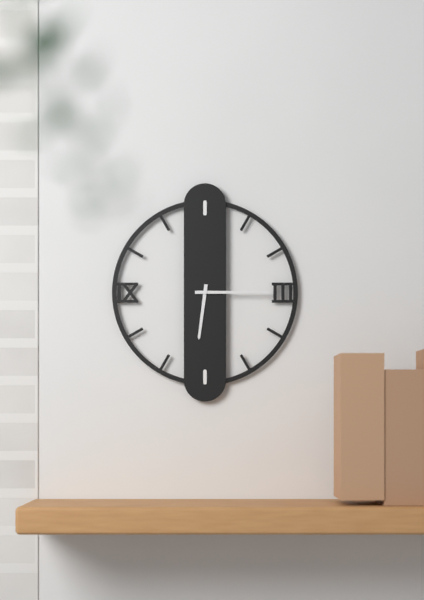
6:15
